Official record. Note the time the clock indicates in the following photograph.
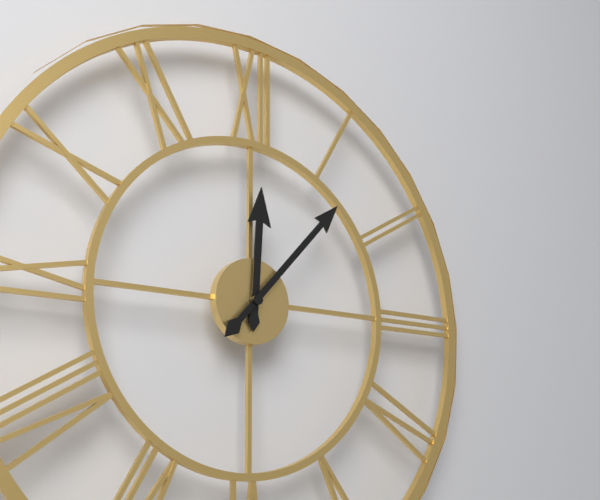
12:07
